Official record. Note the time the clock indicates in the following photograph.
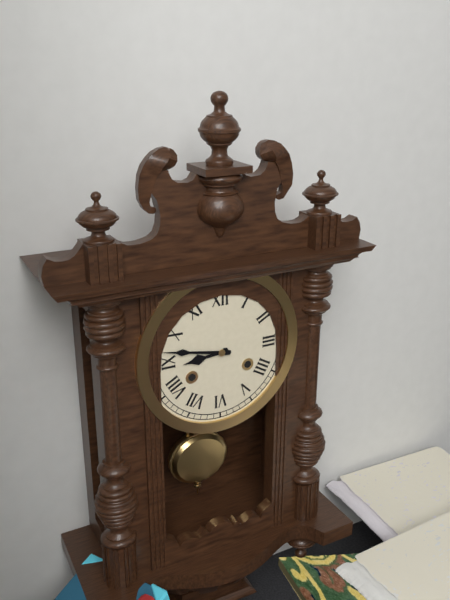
8:47
